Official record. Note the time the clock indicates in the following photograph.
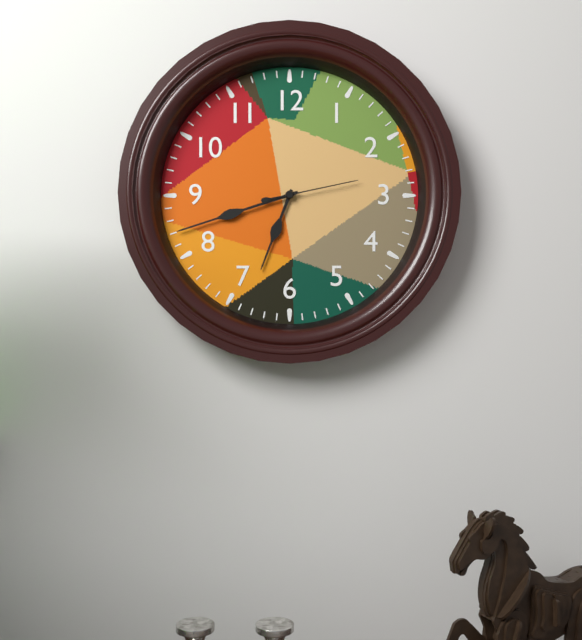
6:42:13
